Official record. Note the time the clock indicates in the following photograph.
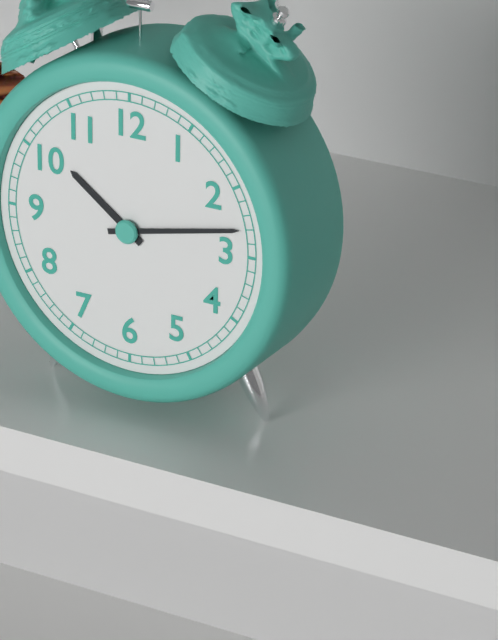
10:13
